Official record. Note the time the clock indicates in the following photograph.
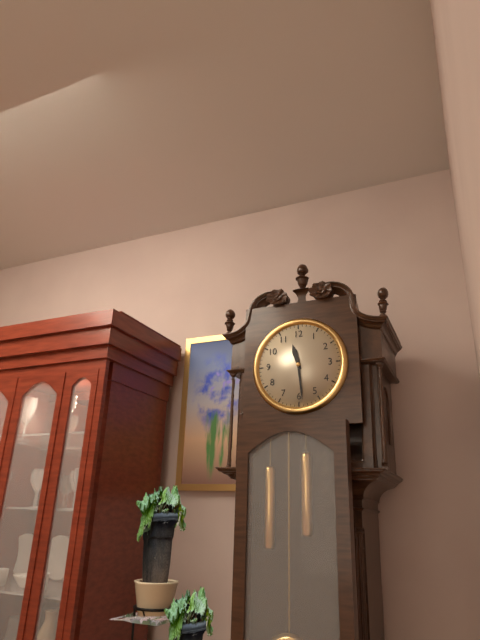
11:29
